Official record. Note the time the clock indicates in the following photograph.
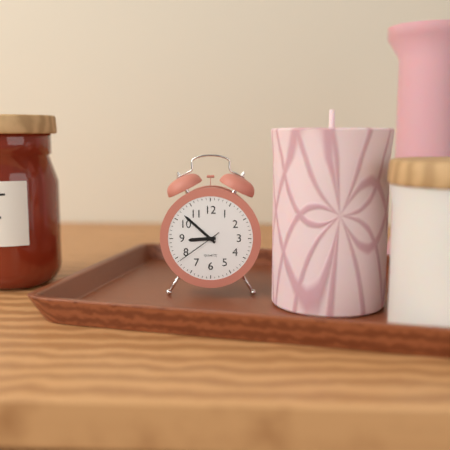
8:52
